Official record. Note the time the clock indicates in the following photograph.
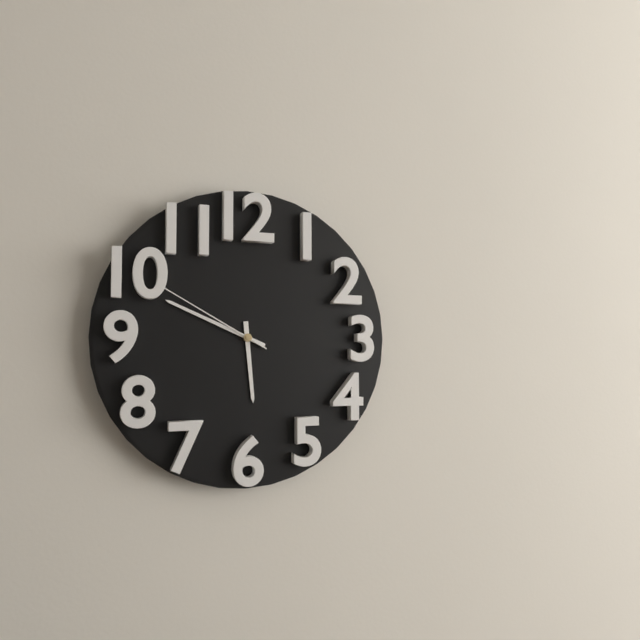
5:49:50
